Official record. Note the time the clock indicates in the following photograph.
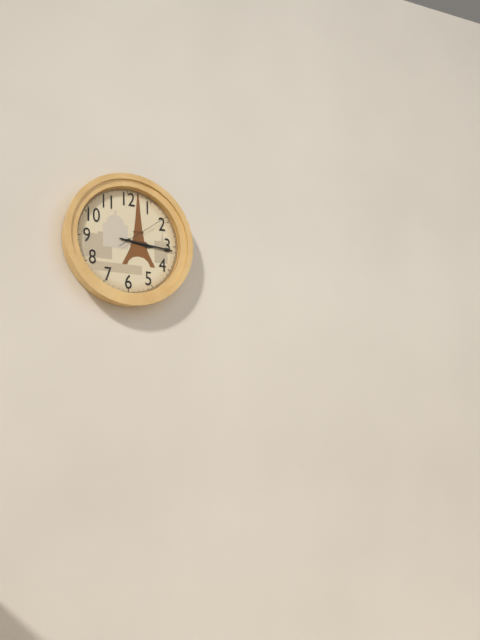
3:16:09
